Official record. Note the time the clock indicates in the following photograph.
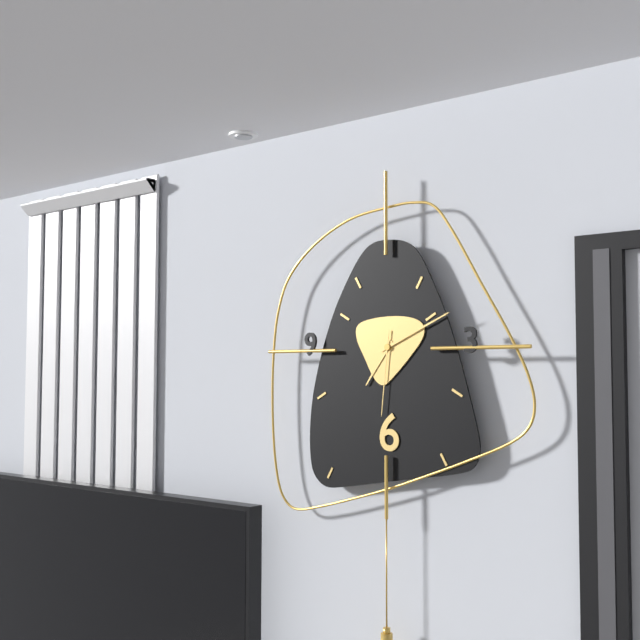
7:11:31
